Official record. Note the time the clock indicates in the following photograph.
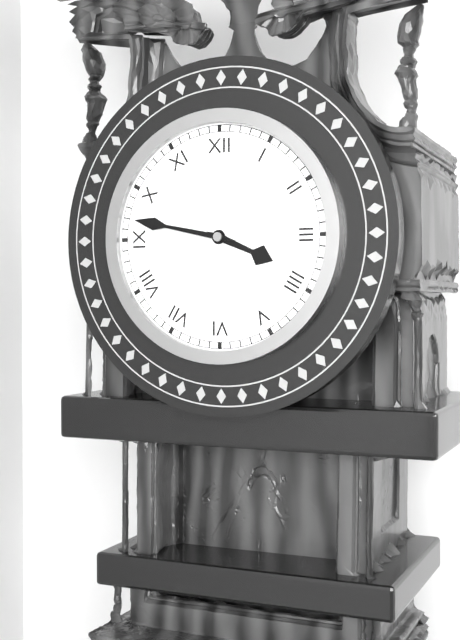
3:47
